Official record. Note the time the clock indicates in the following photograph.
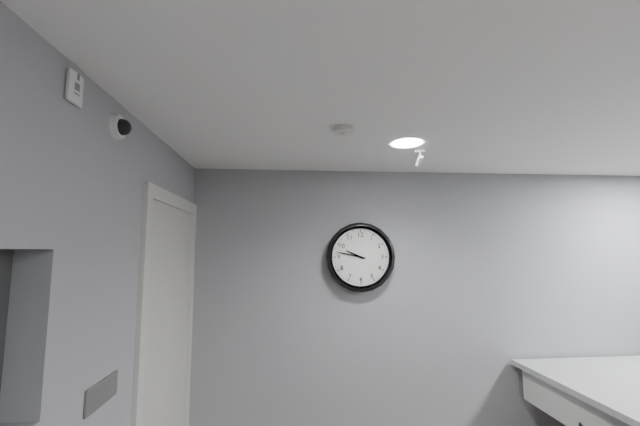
9:47
